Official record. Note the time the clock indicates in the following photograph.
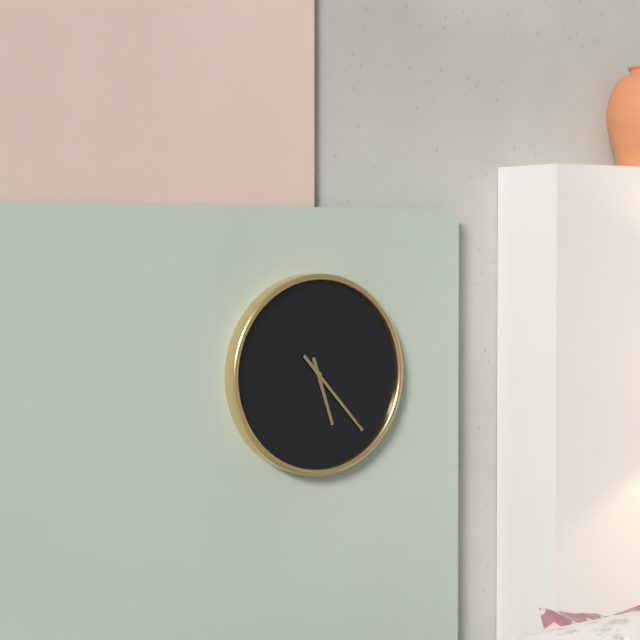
5:23
